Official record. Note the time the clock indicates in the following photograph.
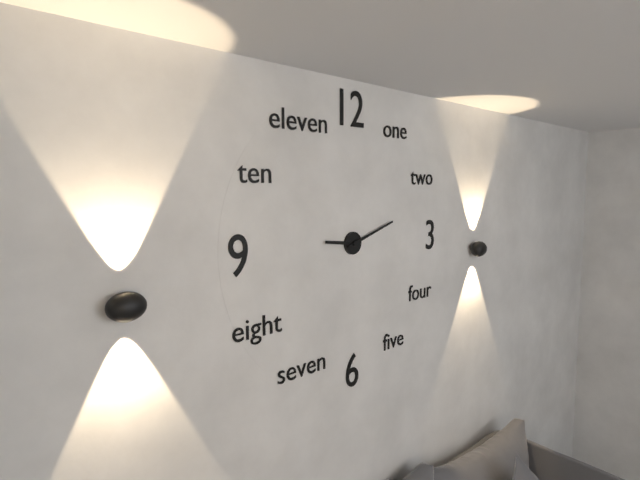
9:12
